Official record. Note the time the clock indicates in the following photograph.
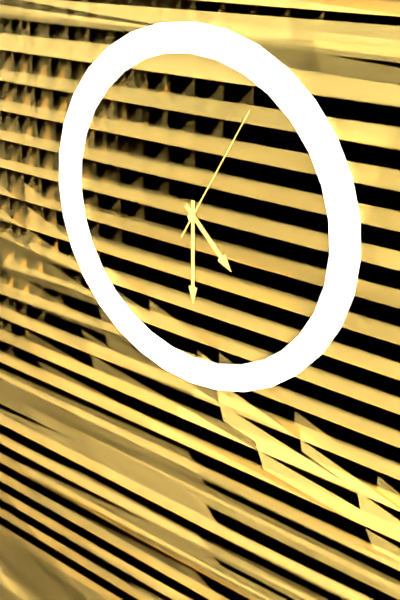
4:30:05
